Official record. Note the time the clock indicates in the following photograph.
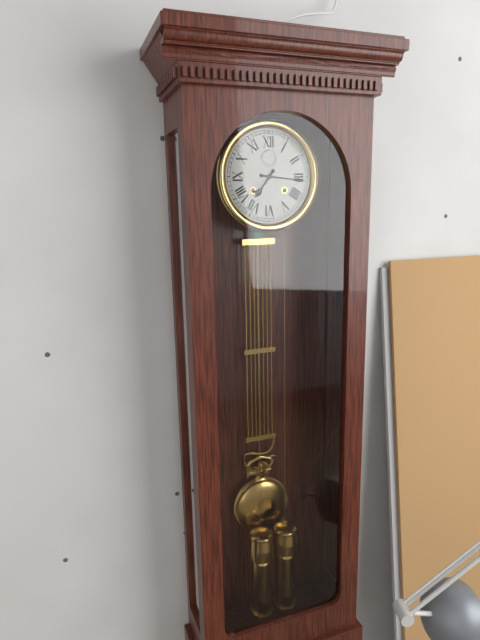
7:16
